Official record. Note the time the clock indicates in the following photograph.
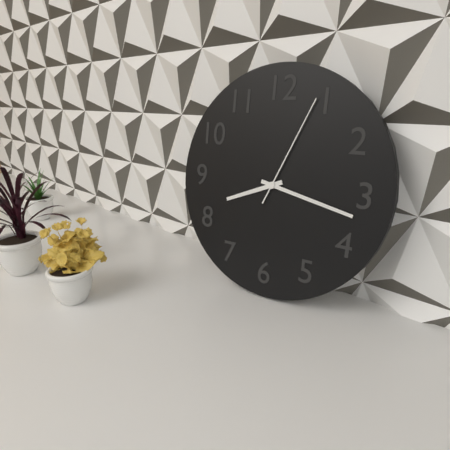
8:17:04
